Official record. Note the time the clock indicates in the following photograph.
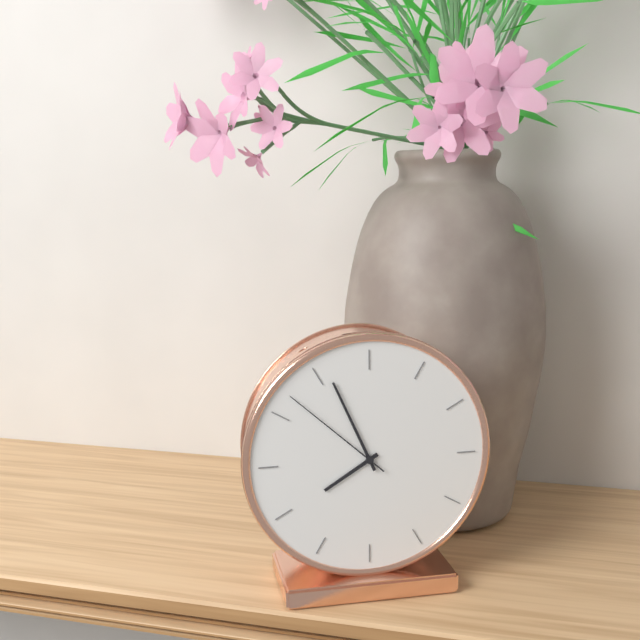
7:56:52
